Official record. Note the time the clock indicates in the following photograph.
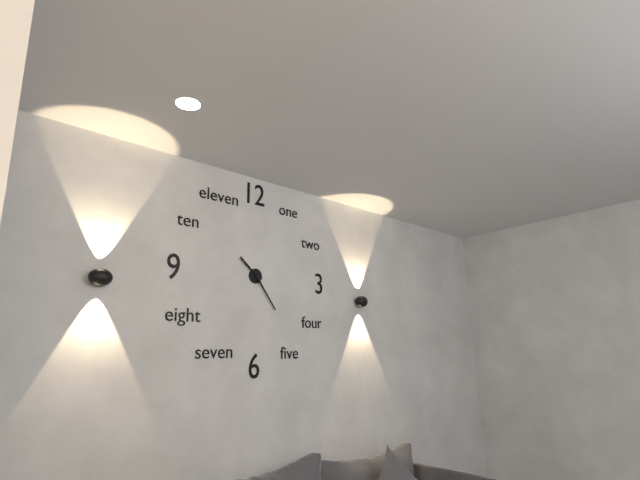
10:24
